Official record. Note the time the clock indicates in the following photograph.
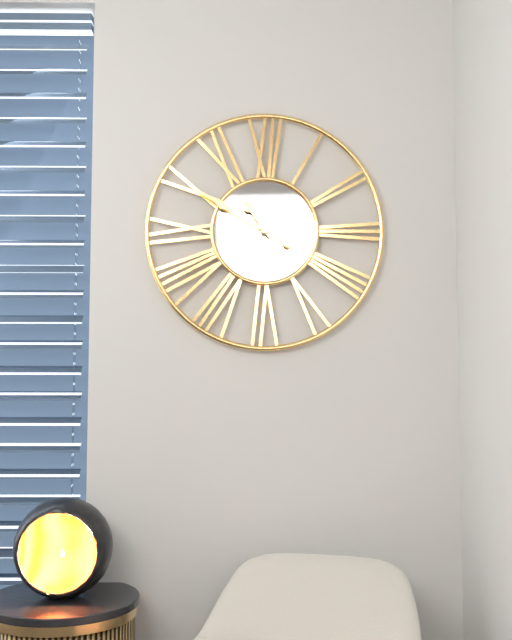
10:50
